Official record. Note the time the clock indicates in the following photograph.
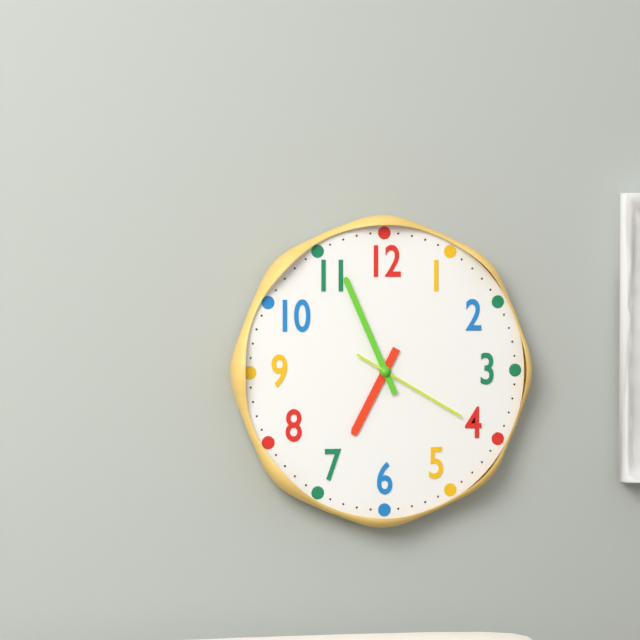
6:56:20
